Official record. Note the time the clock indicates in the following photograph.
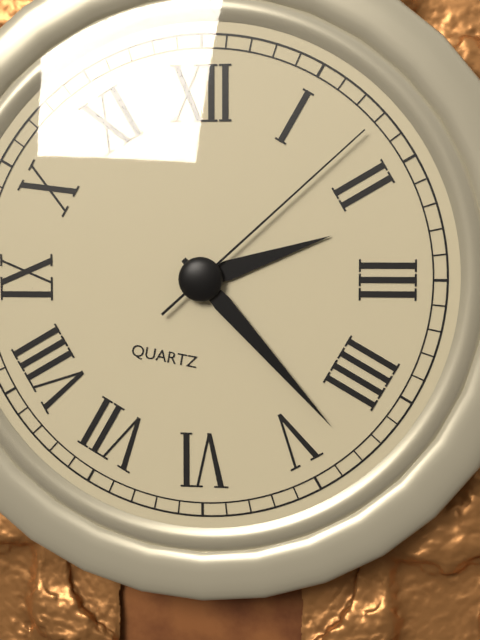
2:23:08
